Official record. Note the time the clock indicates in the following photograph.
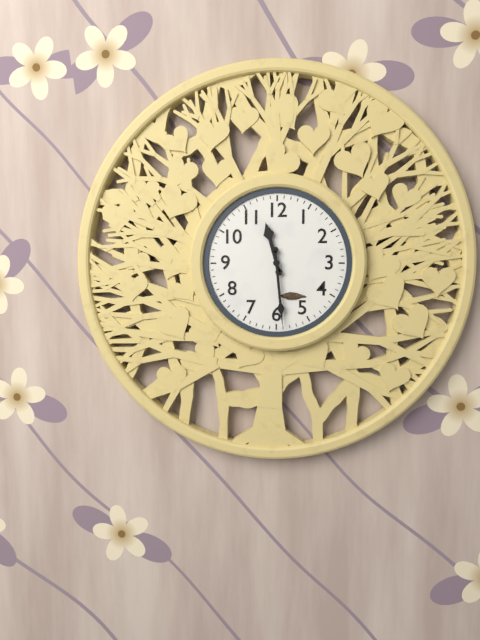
11:29
